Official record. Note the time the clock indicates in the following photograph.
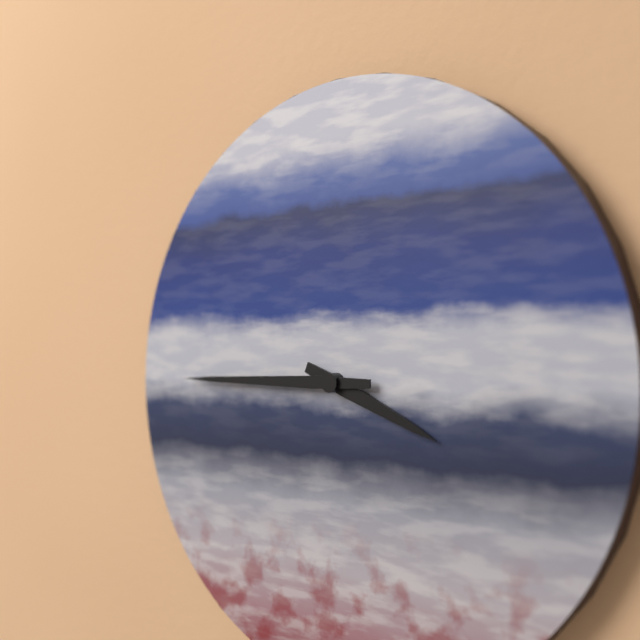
3:45
